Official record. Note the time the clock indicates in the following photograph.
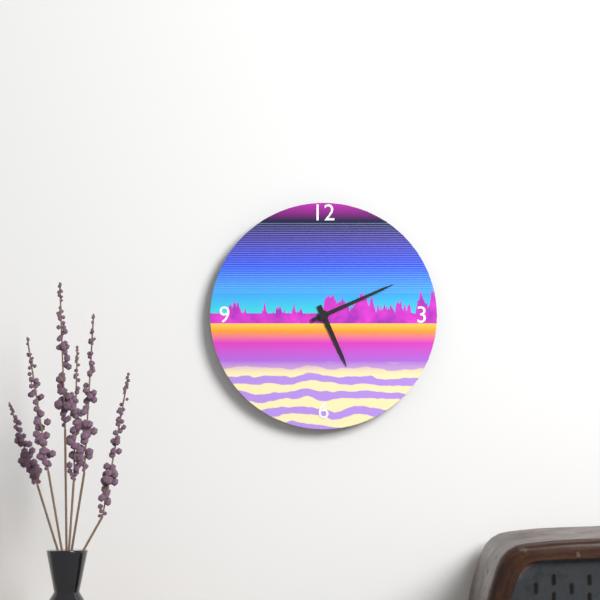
5:11
